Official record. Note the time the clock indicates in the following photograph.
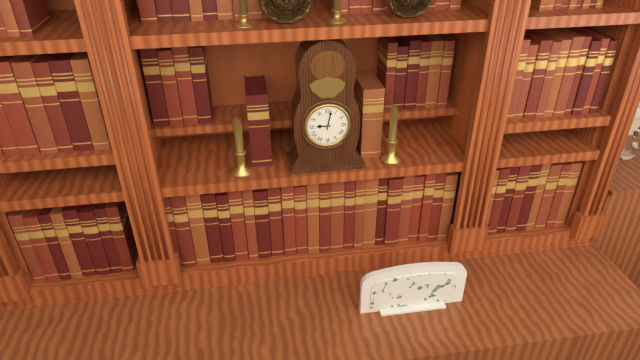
9:02
